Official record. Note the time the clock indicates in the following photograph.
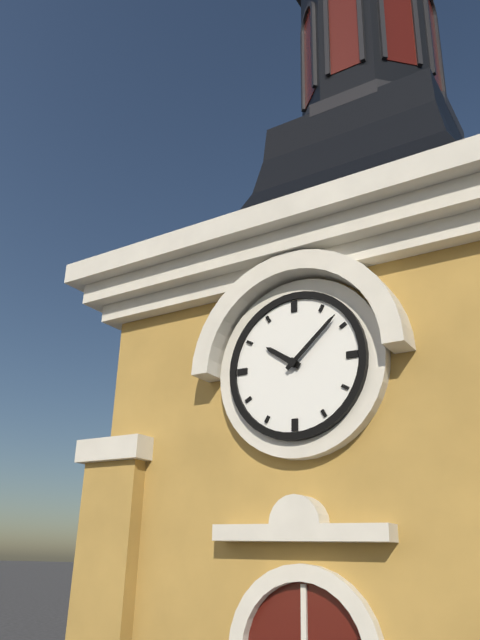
10:08
